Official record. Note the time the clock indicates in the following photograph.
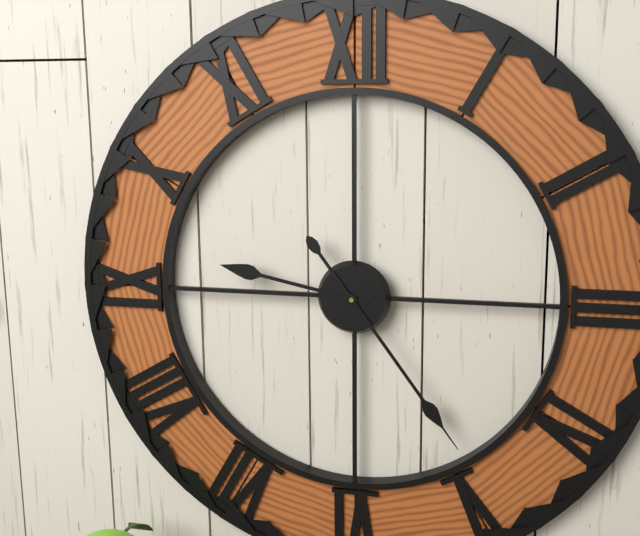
9:24
